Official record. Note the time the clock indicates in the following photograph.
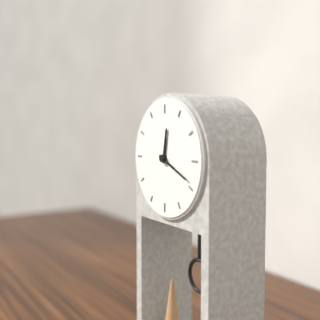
12:19
